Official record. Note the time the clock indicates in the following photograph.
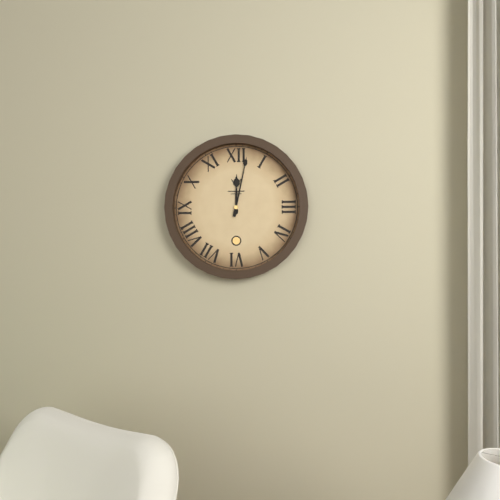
12:02
